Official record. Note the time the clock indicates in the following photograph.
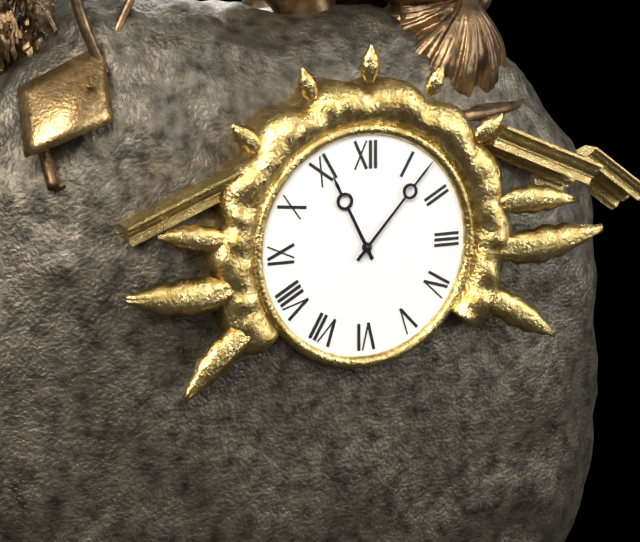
11:07
